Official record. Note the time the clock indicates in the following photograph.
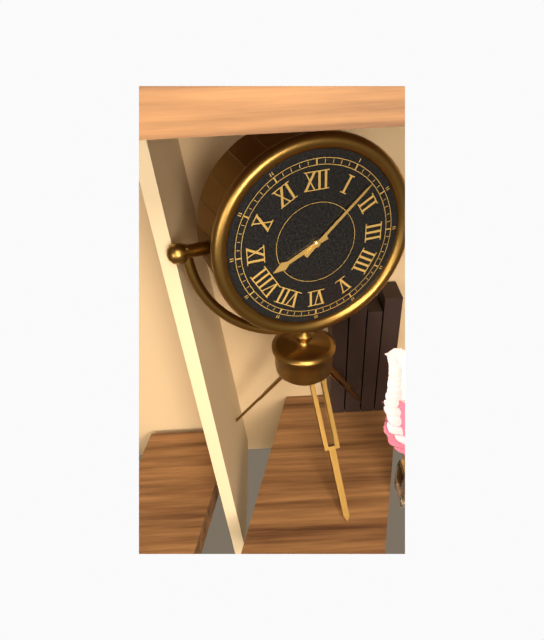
8:08
